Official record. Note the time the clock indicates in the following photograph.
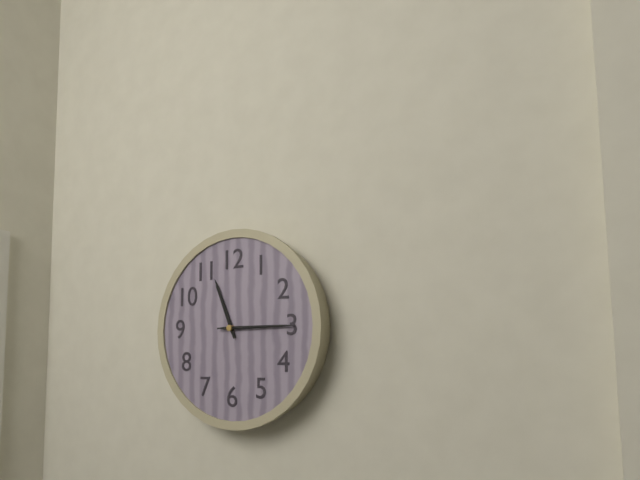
11:15:15
